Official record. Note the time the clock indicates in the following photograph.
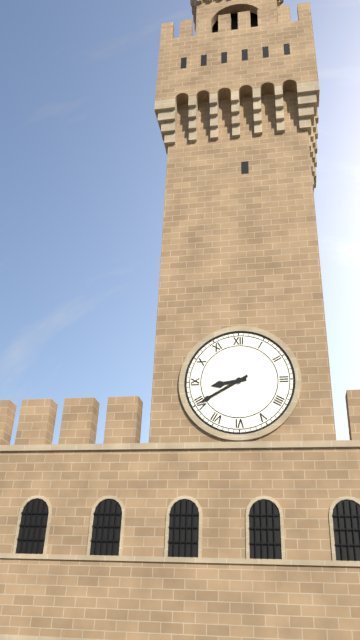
8:40
